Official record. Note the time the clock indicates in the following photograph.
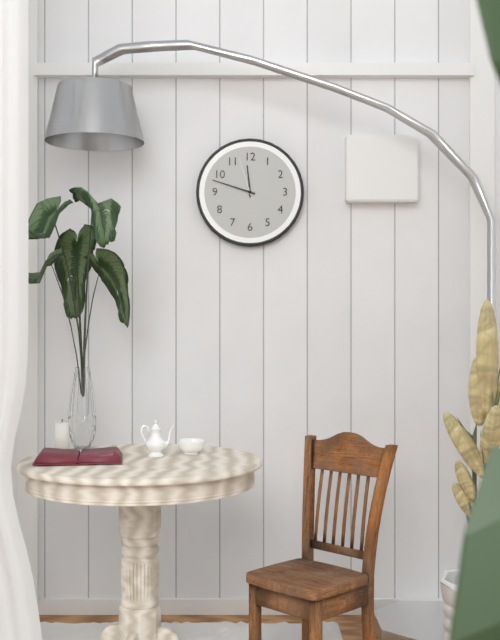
11:48
